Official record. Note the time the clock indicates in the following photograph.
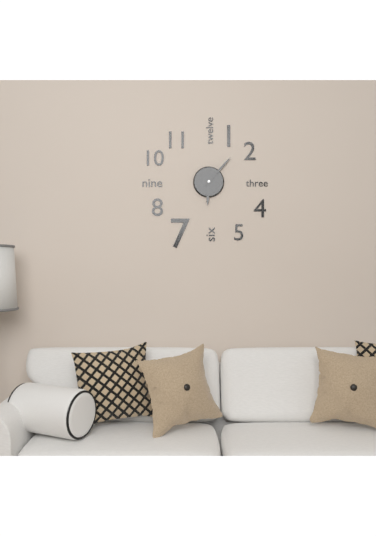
6:07
